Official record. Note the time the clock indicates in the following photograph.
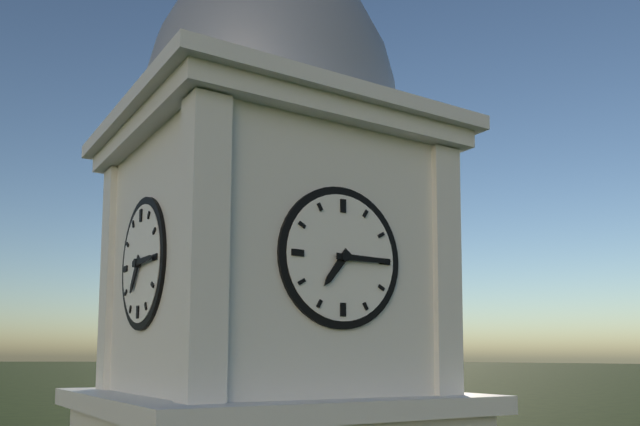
7:15
